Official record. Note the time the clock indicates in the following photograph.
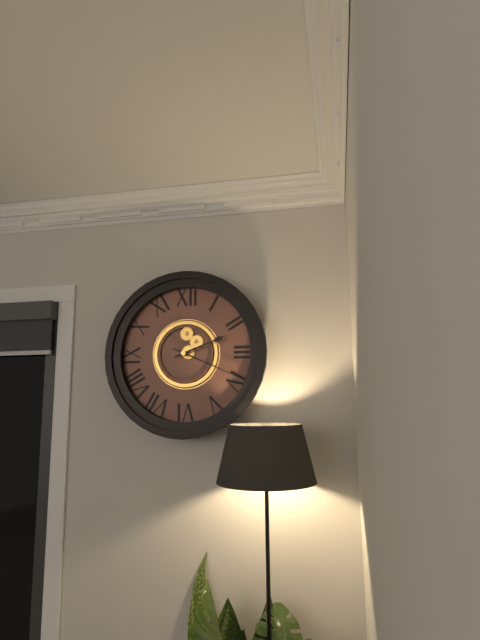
2:19
